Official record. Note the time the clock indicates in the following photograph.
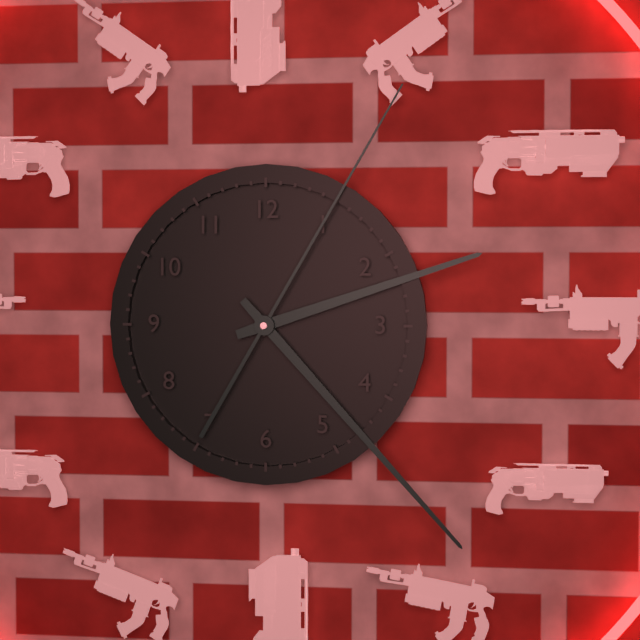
2:23:05
